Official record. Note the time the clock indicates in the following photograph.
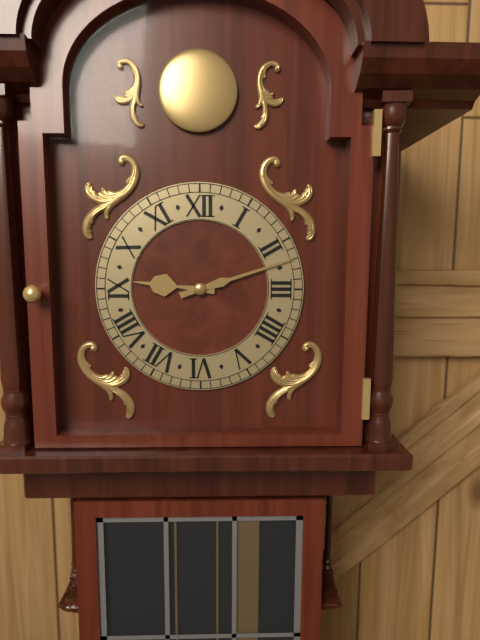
9:12
